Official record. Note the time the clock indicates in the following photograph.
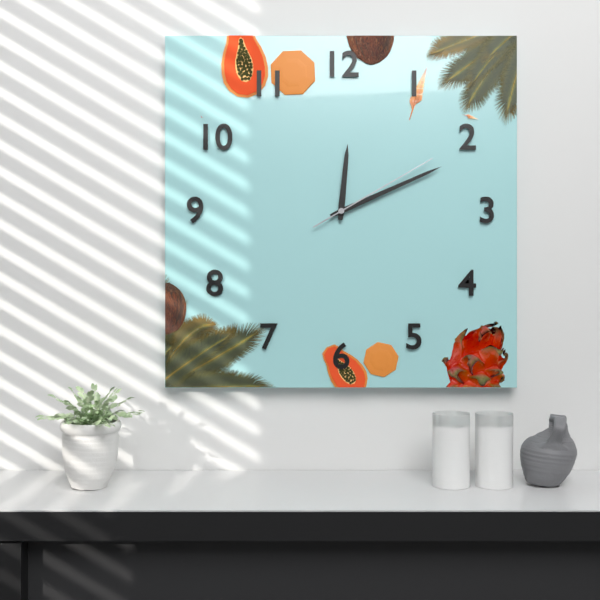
12:11:10
